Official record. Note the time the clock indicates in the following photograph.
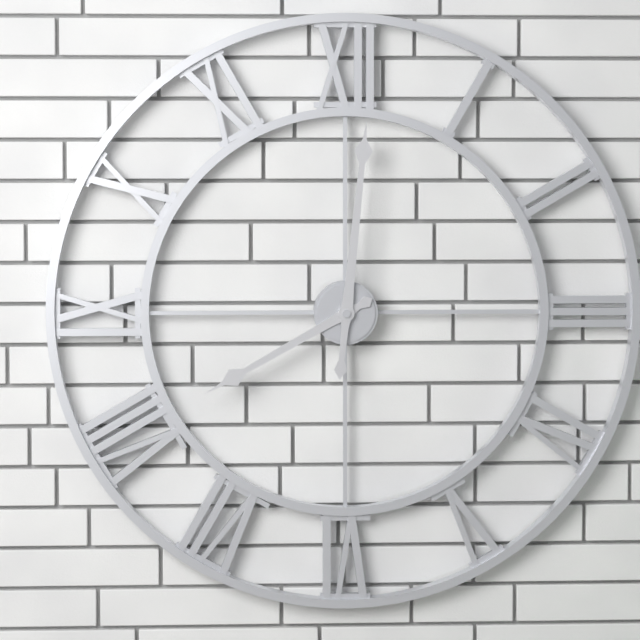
8:01
